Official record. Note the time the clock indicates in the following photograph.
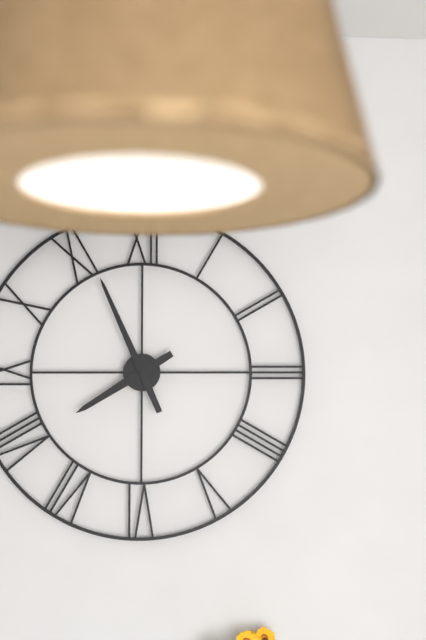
7:56
